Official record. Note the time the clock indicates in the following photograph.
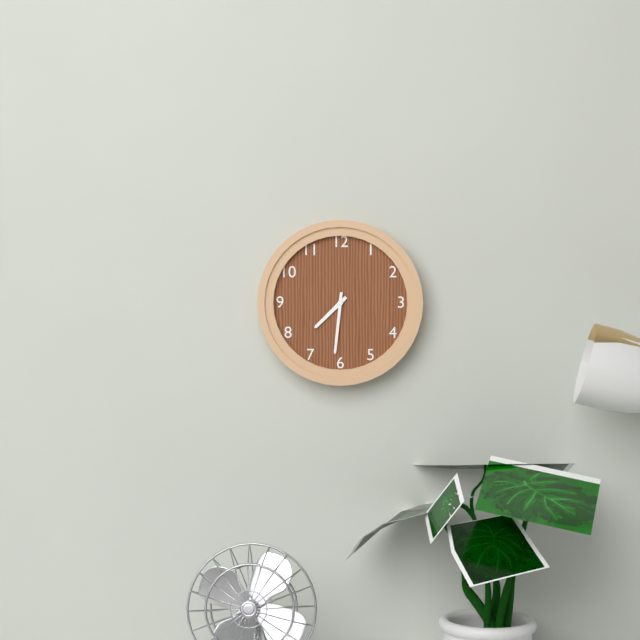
7:31
